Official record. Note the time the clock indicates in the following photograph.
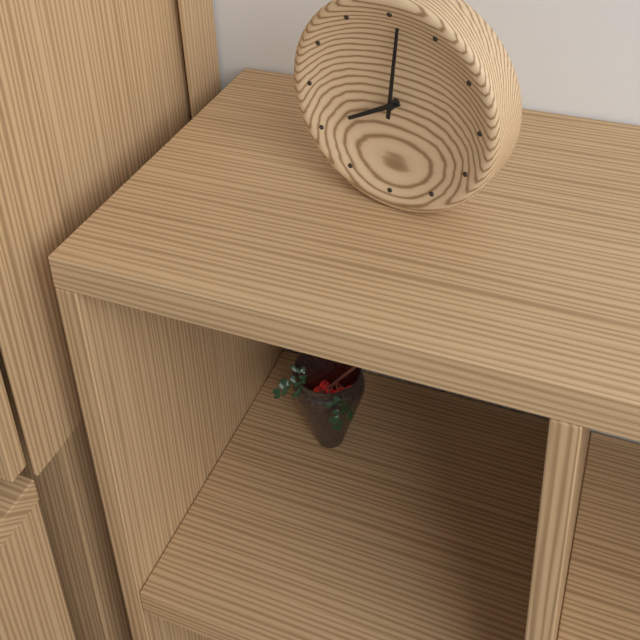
8:01
